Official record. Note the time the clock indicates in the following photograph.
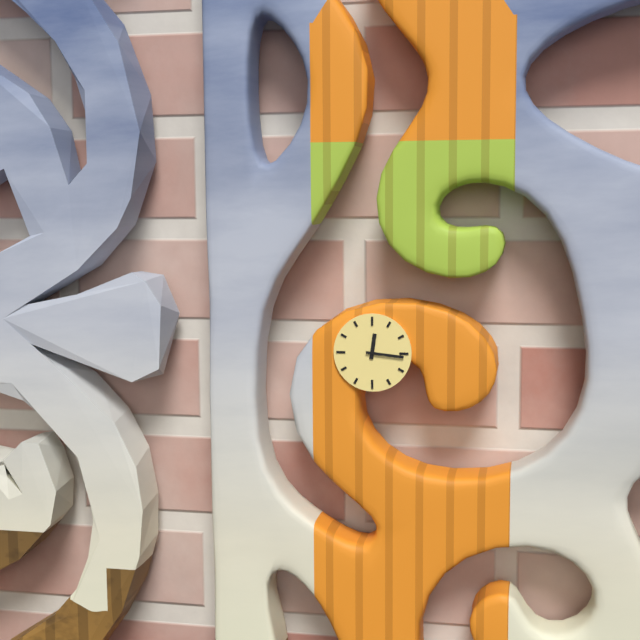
12:16
